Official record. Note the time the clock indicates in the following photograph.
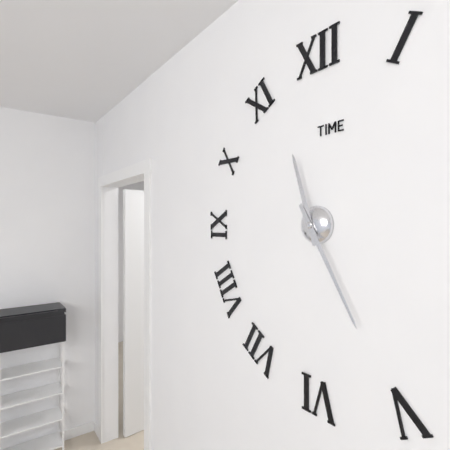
11:25
